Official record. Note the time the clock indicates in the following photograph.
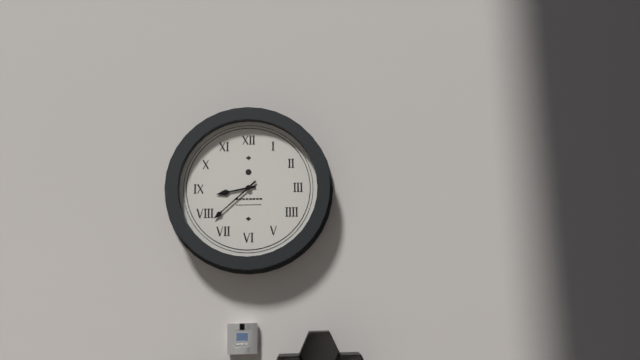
8:38
